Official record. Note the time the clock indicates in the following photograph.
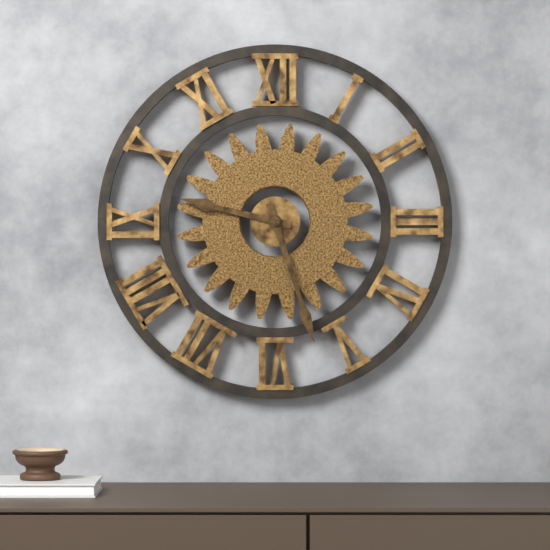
9:27
